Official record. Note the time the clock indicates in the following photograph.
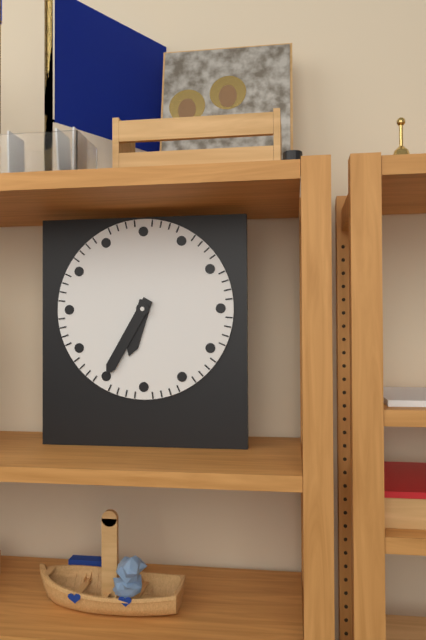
6:35
